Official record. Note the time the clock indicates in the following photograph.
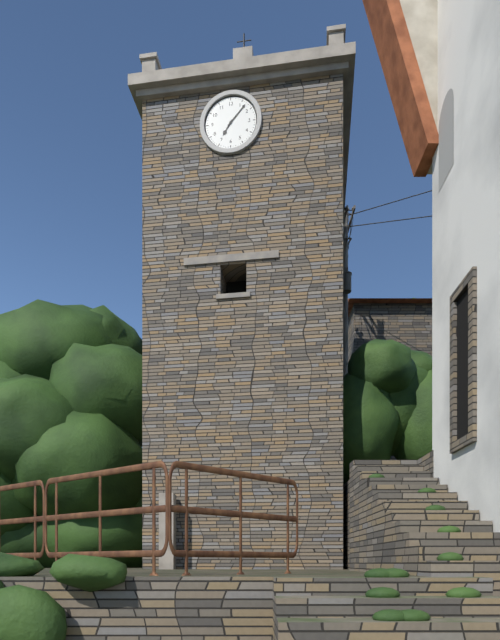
7:07
